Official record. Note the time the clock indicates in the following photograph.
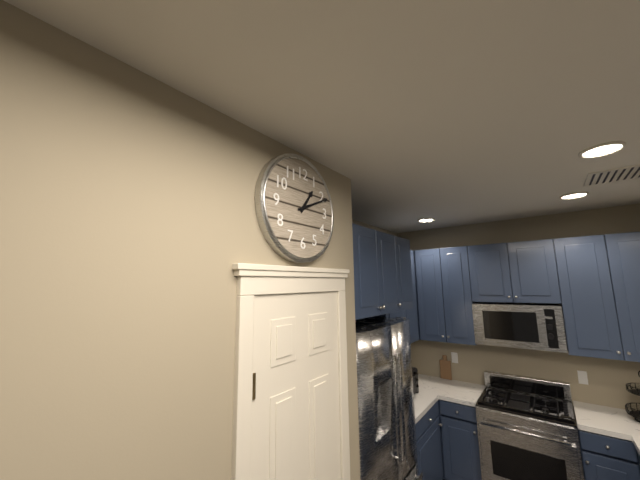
1:11
